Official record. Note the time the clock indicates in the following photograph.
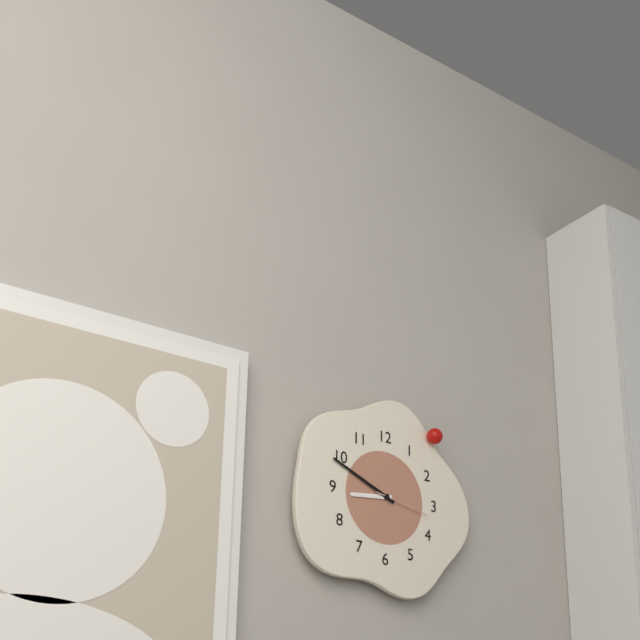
8:49:17
